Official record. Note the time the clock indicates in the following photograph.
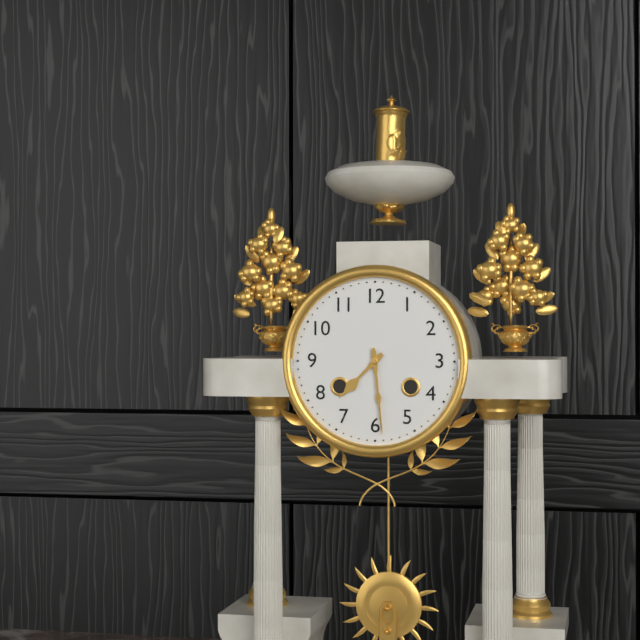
7:29
